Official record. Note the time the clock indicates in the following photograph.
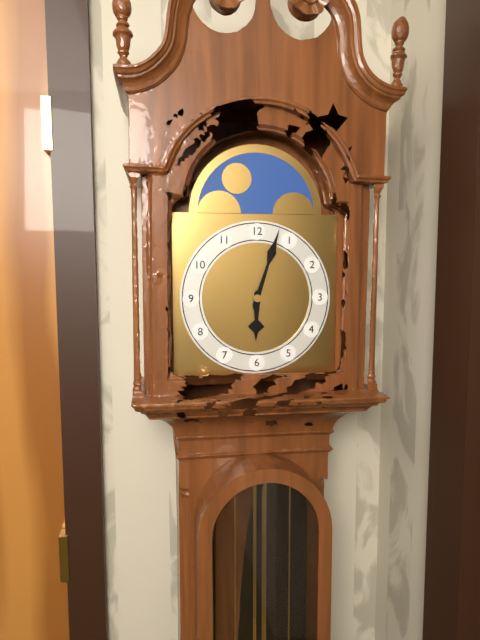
6:03
